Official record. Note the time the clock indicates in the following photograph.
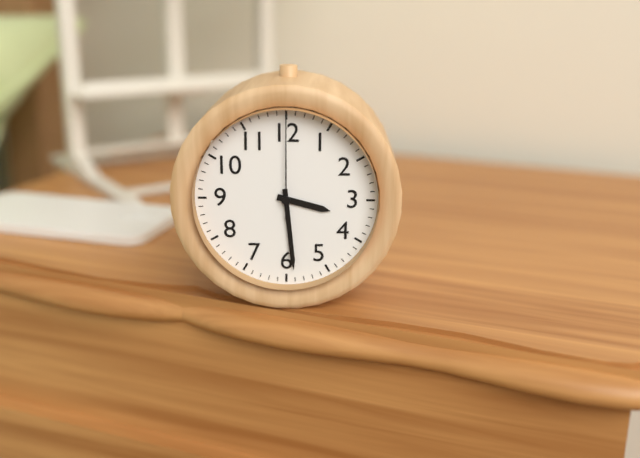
3:29:00
